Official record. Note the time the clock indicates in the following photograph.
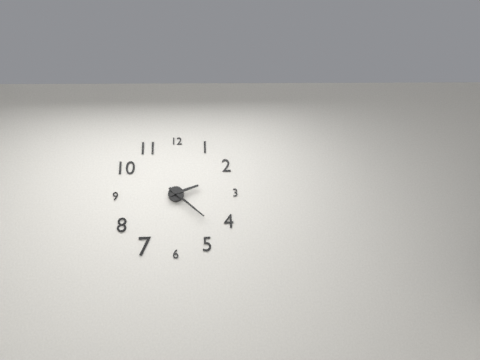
2:22
